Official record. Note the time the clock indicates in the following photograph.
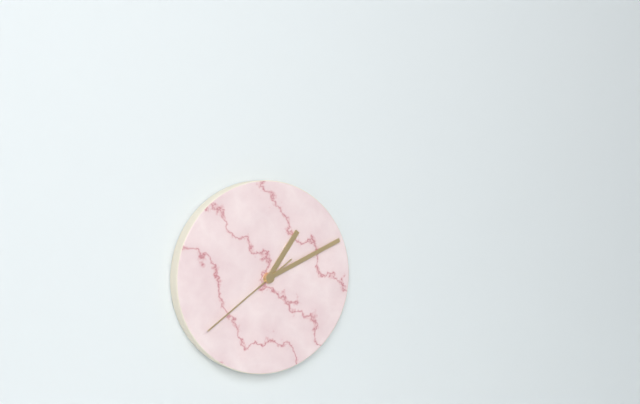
1:11:39
